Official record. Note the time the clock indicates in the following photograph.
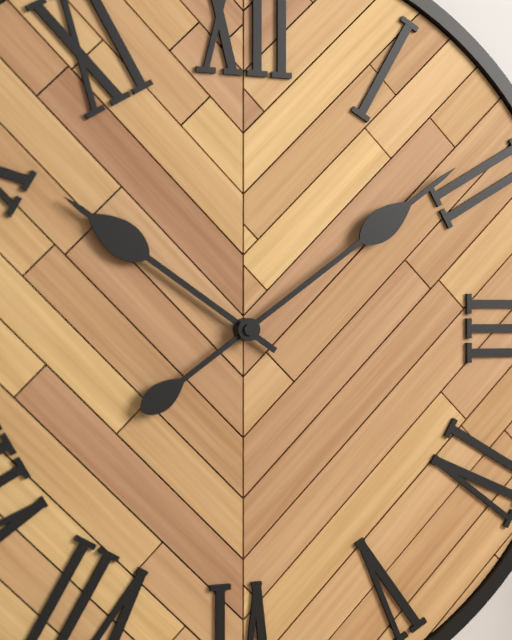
10:09
